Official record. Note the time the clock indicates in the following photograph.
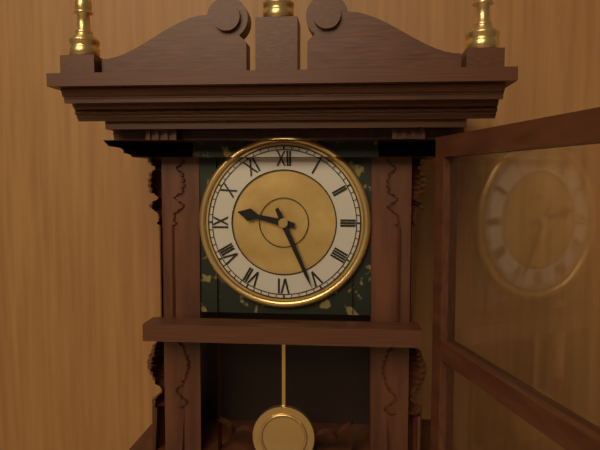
9:26
